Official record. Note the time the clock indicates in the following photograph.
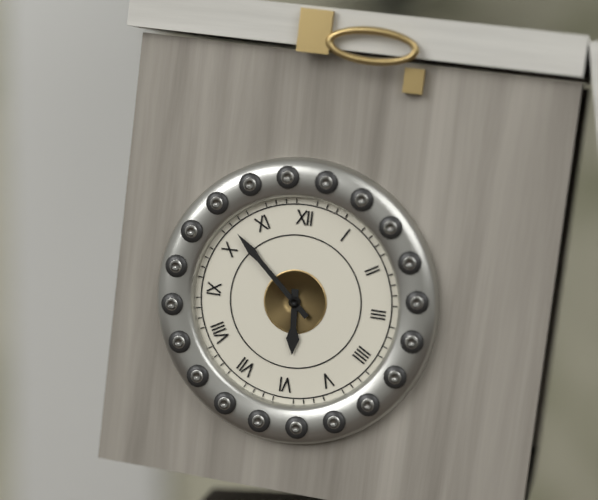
5:52
